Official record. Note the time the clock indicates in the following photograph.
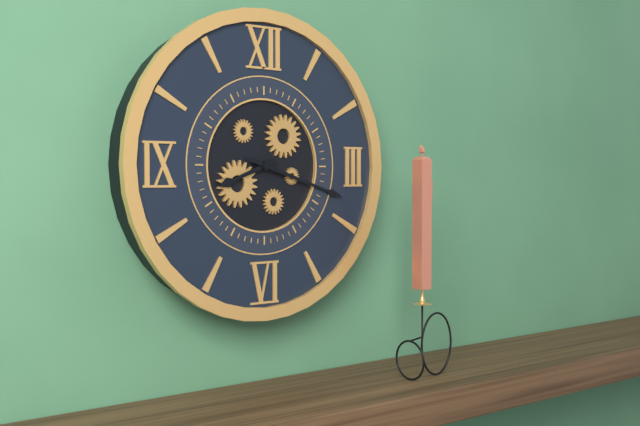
8:18
